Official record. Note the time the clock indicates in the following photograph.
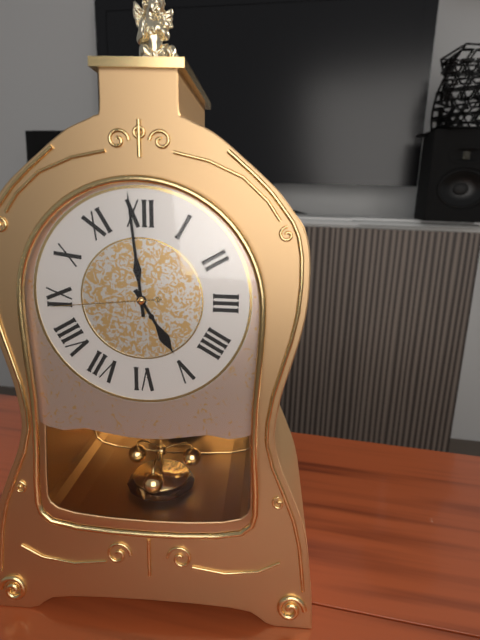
4:59:44
